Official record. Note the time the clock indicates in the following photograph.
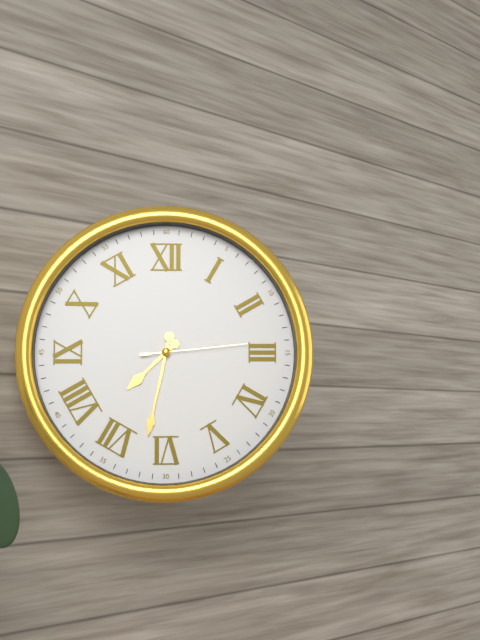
7:32:14
